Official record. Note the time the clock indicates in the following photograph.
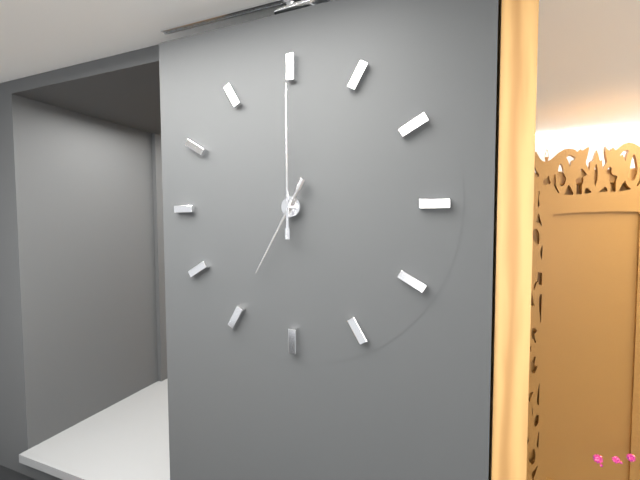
7:00
